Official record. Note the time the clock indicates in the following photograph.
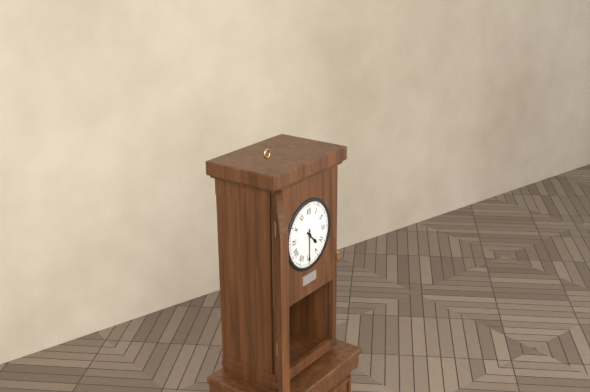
4:30
